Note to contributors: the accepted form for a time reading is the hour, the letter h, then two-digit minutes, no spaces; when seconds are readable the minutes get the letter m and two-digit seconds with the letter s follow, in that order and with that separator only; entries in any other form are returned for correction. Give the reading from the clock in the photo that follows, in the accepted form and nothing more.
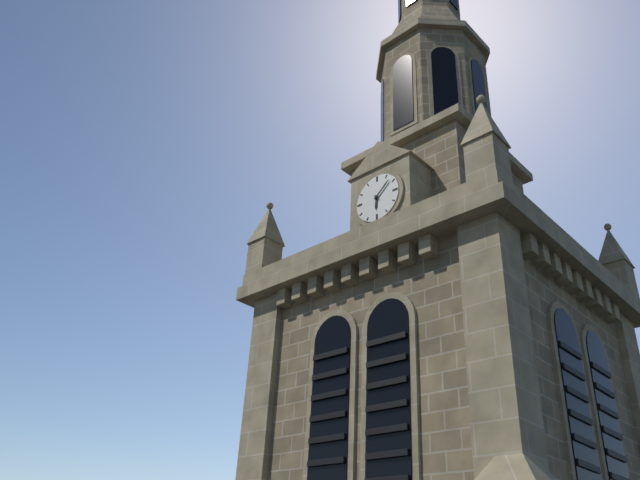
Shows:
6h08
